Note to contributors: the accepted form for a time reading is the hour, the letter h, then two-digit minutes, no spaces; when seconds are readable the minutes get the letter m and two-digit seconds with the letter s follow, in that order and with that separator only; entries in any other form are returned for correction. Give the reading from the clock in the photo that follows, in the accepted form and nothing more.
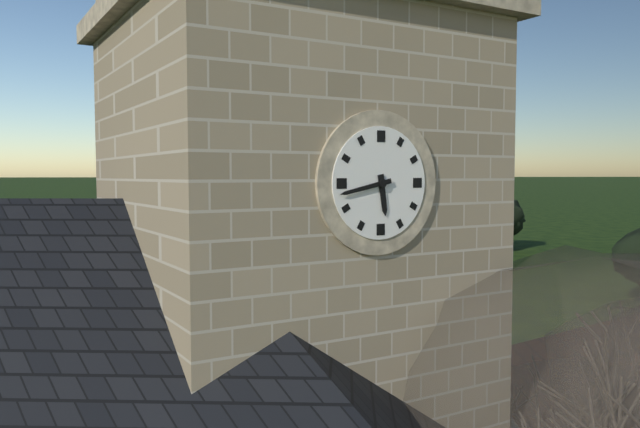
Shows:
5h43
